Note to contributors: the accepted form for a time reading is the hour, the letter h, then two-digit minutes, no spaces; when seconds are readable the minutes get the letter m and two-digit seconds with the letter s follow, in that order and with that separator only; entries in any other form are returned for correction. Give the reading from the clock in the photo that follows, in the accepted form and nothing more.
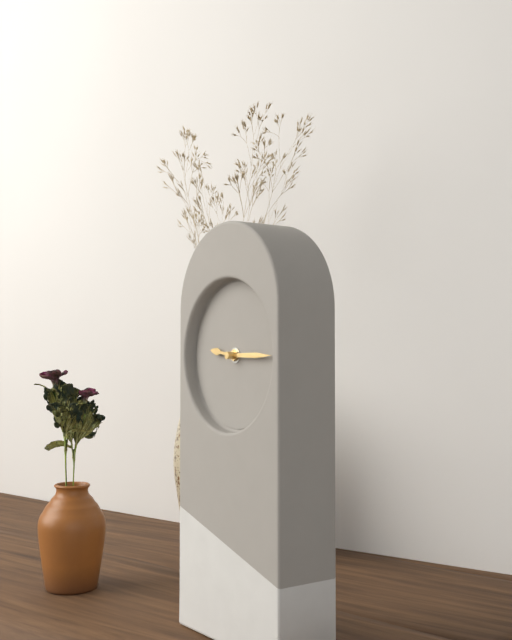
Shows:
9h15
